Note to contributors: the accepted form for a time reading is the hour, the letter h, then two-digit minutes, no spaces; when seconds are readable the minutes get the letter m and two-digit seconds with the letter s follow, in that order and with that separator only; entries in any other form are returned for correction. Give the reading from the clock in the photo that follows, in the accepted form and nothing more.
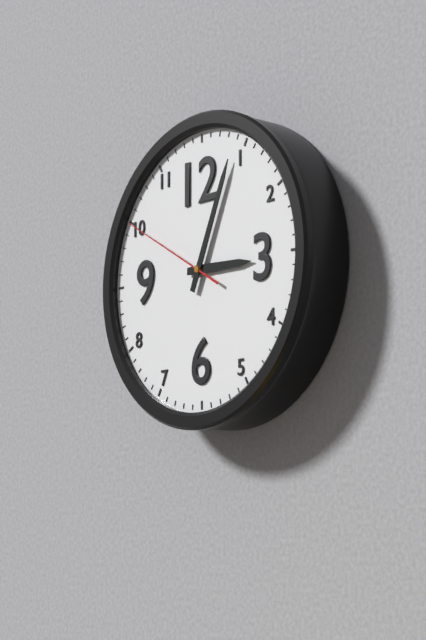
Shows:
3h04m50s
